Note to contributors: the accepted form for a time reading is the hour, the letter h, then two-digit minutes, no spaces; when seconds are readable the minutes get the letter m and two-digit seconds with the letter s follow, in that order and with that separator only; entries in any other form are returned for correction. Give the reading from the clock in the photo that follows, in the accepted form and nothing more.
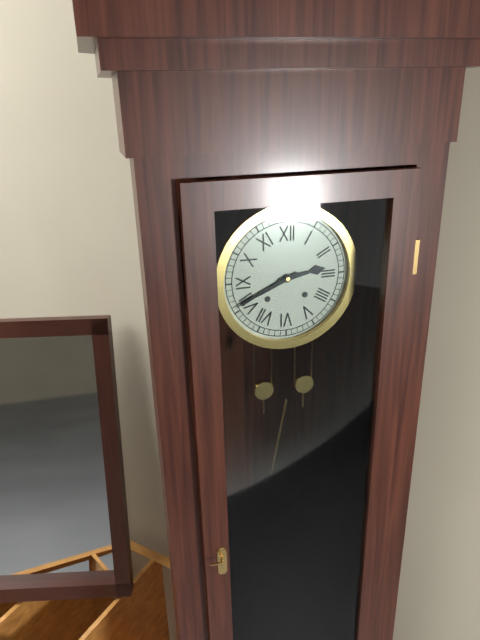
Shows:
2h41
